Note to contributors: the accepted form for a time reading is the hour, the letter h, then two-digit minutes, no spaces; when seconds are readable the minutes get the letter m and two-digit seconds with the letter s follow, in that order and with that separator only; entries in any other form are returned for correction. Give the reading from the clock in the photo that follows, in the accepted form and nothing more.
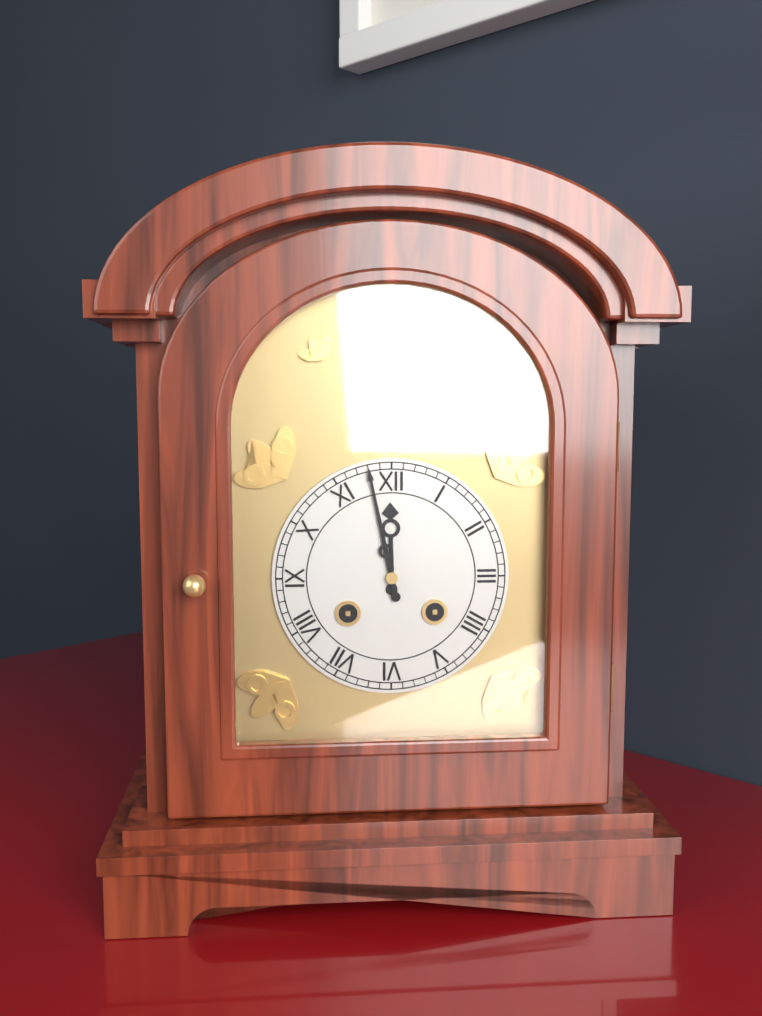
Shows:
11h58
